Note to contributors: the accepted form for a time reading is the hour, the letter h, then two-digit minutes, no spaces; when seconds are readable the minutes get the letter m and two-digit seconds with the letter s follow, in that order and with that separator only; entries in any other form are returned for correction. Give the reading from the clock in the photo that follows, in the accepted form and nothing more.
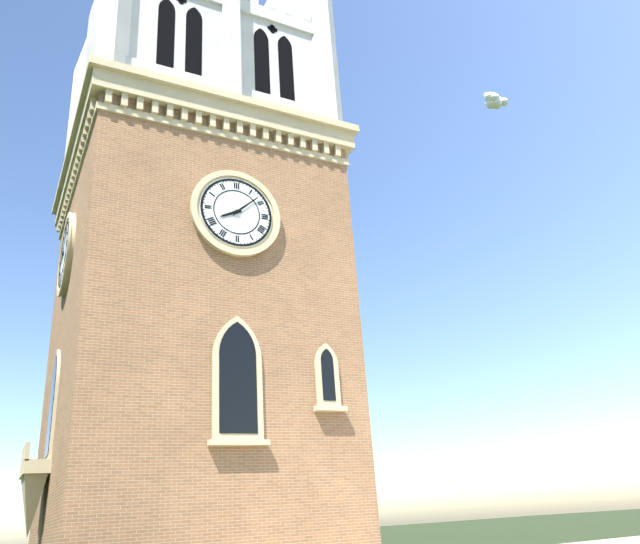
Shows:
8h08
